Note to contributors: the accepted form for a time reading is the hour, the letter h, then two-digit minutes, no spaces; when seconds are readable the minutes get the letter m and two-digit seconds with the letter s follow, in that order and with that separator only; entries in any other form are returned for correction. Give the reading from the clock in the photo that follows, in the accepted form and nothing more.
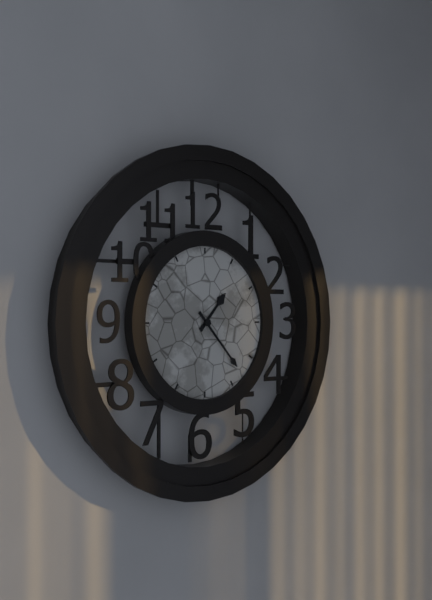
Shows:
1h23
